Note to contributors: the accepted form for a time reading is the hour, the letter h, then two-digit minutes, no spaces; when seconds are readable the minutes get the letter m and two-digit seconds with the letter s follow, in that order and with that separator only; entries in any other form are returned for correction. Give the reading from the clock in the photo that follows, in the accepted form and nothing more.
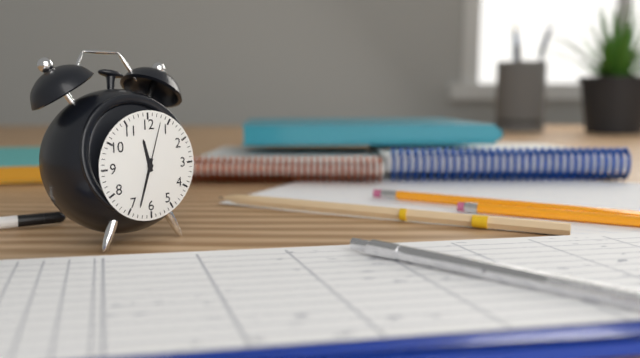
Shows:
11h33m03s
